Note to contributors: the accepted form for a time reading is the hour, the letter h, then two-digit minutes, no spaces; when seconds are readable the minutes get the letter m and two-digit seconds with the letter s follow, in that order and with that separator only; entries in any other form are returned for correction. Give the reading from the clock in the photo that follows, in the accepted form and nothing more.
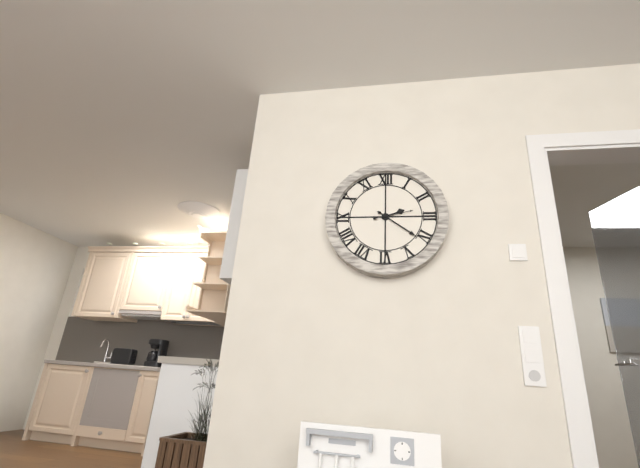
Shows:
2h21
